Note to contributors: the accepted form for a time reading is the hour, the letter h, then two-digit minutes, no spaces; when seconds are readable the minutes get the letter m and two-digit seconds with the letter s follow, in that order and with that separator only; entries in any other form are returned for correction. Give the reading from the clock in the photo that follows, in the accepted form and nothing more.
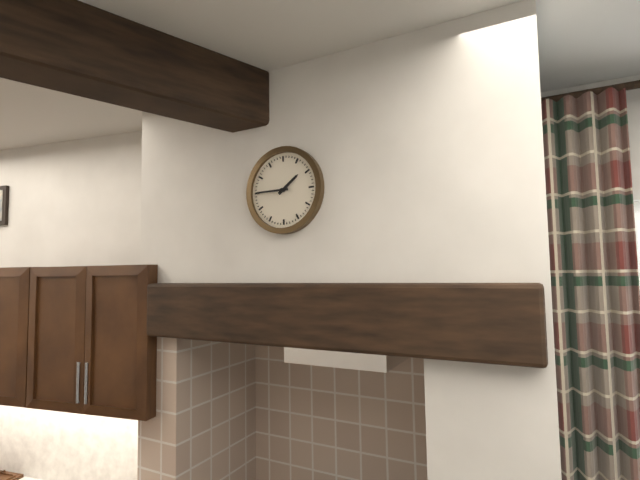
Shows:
1h45
